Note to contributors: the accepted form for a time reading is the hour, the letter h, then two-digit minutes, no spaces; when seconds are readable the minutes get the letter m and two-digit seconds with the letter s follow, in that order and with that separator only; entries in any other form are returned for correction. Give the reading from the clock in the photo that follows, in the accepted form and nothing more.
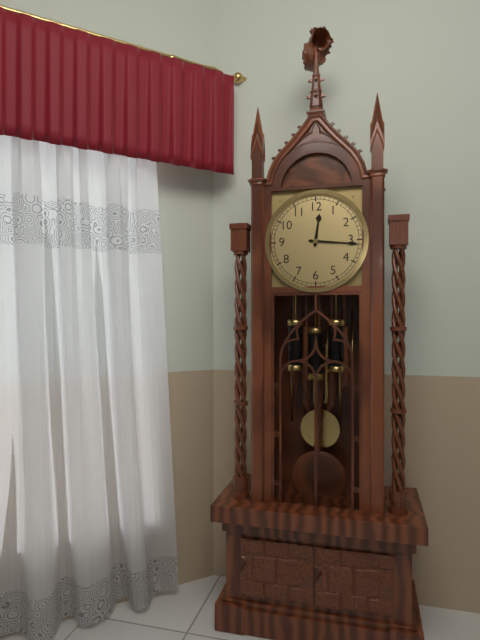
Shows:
12h16
